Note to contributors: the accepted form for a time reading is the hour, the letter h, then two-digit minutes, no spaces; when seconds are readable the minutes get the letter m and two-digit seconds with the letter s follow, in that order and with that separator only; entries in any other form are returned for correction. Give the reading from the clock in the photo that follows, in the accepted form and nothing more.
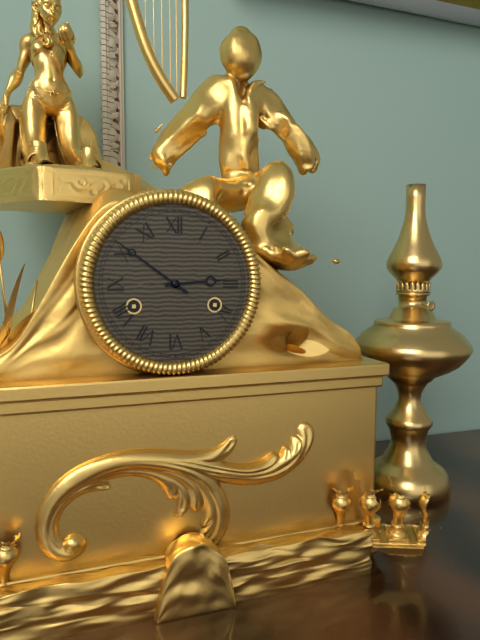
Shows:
2h51
